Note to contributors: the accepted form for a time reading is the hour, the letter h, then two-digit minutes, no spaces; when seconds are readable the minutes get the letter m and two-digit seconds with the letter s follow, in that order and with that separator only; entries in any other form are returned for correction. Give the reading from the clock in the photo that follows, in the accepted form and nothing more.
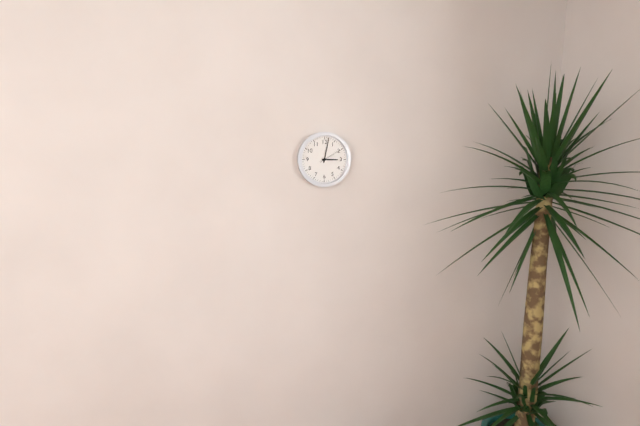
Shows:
3h02
